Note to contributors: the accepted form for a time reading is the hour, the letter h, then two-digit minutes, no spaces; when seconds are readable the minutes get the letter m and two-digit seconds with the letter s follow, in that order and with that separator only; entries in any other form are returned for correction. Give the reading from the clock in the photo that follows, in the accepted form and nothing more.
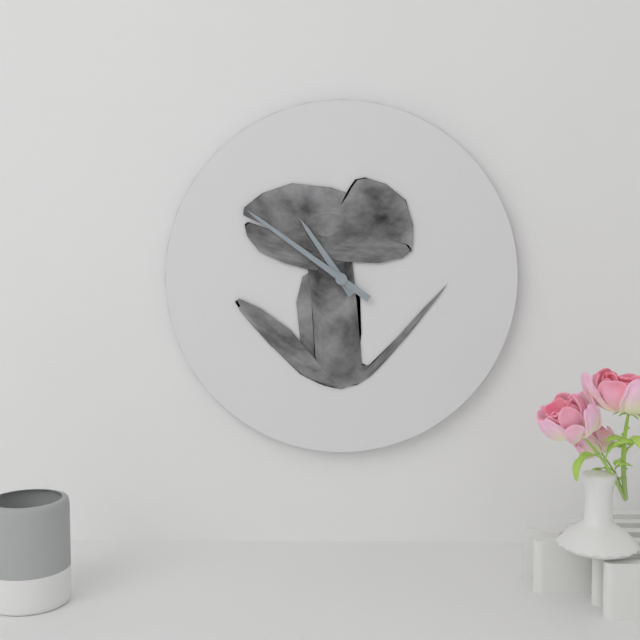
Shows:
10h51
